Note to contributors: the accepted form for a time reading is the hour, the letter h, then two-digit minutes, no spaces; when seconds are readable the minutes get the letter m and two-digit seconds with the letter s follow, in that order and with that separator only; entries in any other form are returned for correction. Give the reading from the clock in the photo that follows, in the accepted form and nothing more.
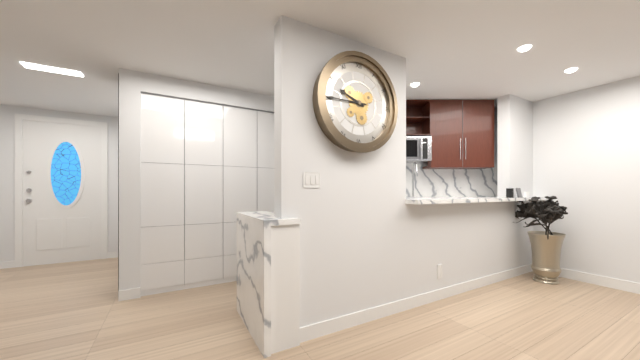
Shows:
9h45
